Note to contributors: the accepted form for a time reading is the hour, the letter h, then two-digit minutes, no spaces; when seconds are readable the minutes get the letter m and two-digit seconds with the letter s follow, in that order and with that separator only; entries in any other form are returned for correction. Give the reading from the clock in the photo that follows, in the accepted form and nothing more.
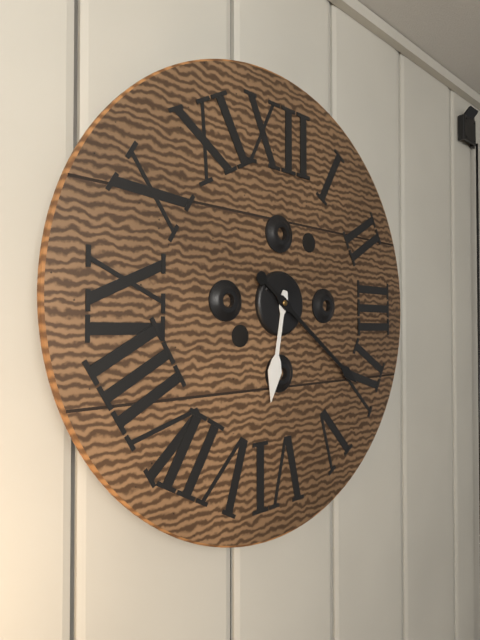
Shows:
6h21
